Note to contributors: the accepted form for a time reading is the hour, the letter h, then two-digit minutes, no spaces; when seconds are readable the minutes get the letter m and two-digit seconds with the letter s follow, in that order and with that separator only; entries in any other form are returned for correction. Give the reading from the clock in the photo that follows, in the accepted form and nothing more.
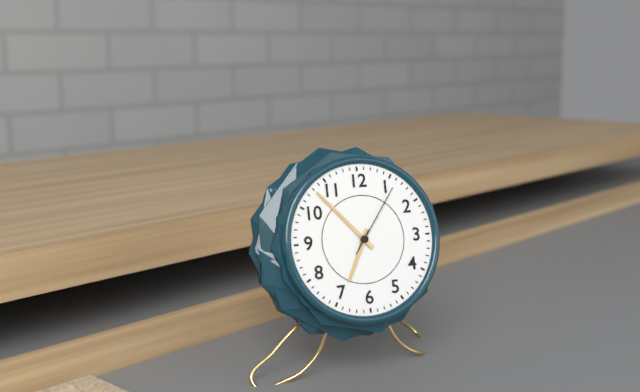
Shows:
6h53m06s
